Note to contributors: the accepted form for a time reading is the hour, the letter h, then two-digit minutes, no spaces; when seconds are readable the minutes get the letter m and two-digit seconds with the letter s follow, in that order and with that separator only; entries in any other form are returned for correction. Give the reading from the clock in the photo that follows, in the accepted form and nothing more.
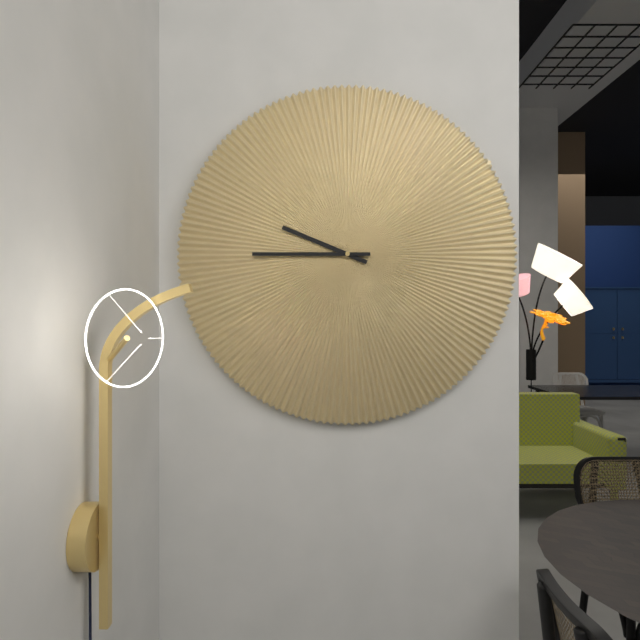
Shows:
9h45
